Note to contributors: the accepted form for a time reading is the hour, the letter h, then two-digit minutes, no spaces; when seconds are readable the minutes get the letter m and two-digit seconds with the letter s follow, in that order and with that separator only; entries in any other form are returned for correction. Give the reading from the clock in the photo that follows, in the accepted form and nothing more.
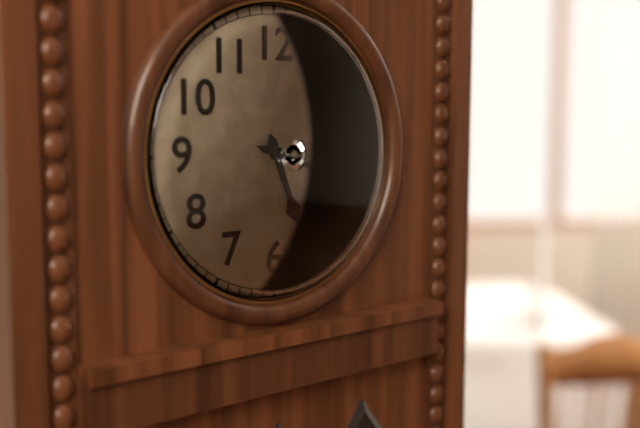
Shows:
5h18
